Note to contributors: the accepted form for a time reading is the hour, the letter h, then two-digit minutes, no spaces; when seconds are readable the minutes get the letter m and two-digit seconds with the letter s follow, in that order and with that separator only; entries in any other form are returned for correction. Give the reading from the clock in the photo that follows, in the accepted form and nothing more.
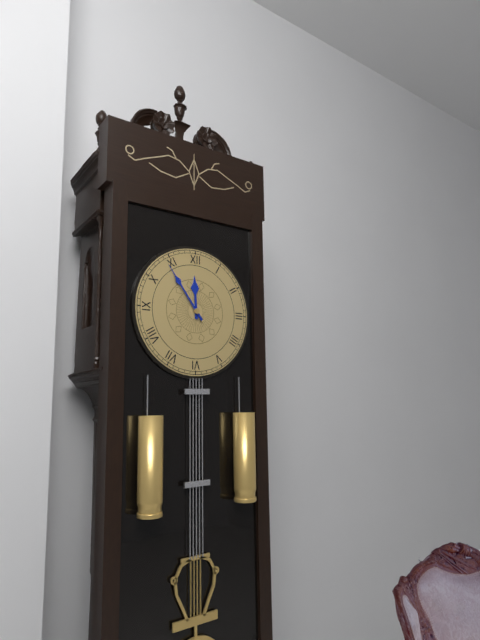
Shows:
11h54
